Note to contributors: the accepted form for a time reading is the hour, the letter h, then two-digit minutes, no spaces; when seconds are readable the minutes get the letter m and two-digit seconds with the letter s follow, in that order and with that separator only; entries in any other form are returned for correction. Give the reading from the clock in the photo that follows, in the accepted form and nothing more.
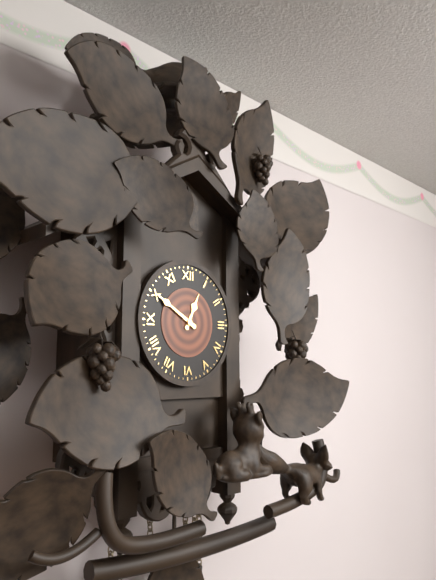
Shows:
12h50
